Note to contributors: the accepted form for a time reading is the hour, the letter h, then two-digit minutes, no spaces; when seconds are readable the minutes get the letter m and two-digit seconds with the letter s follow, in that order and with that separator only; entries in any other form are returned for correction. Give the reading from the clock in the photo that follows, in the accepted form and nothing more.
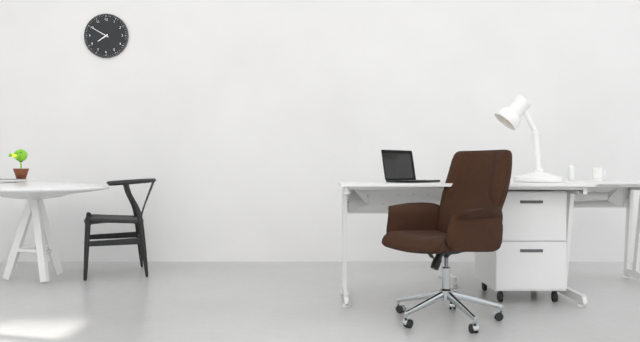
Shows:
7h50
